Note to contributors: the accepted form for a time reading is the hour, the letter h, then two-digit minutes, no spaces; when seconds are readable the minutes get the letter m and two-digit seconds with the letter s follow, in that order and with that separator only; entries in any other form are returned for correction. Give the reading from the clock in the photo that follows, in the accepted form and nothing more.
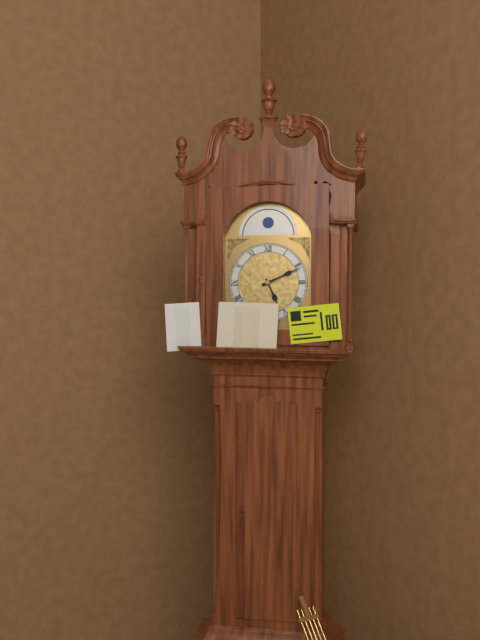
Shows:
5h11
